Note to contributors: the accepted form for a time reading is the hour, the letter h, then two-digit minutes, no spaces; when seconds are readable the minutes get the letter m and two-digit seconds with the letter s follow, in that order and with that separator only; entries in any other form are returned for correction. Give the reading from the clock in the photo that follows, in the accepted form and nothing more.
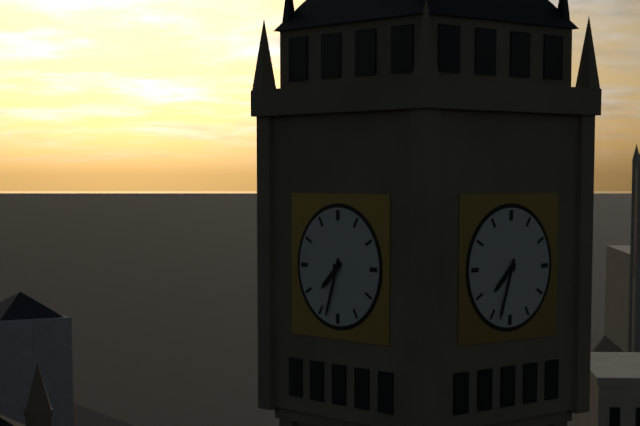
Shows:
7h33
